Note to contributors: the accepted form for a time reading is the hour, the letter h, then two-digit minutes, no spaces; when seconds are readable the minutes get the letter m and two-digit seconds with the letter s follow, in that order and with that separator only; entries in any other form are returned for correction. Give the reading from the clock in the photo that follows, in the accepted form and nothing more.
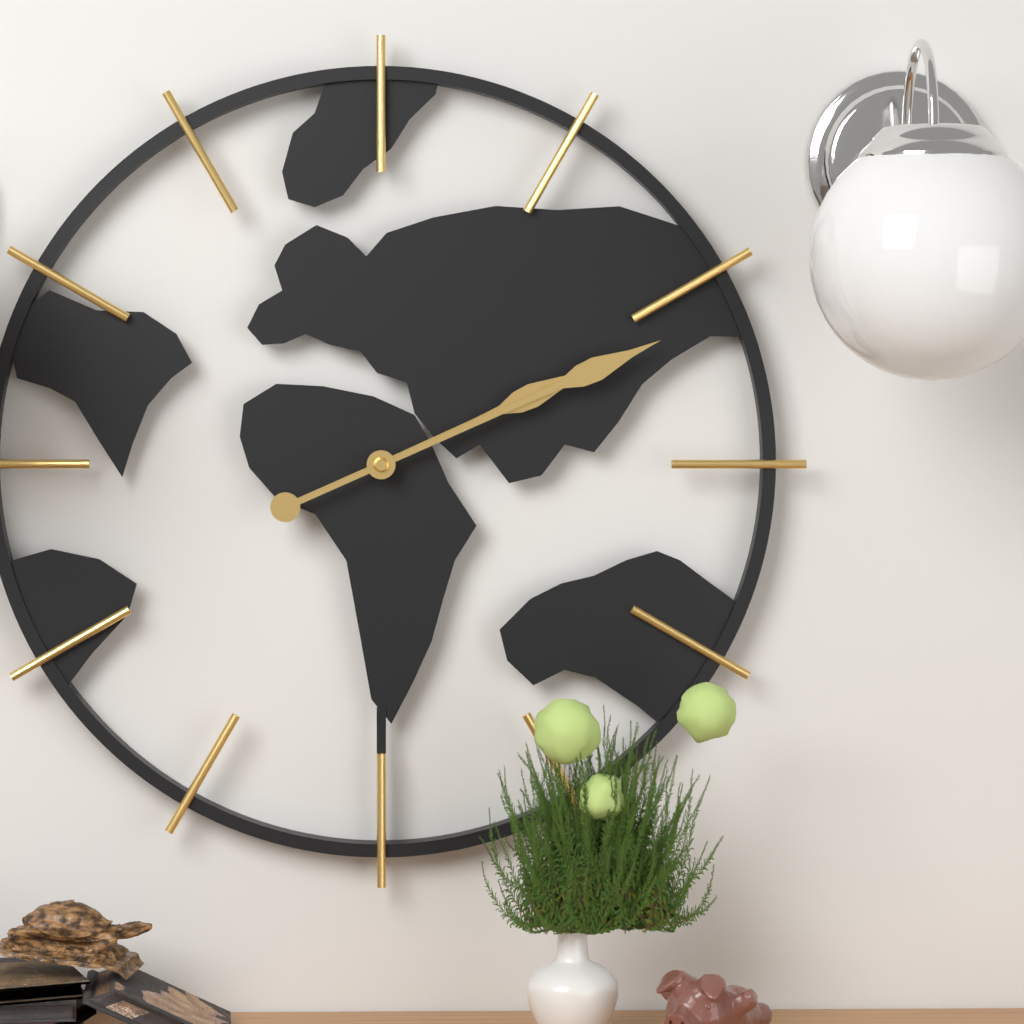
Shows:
2h11
